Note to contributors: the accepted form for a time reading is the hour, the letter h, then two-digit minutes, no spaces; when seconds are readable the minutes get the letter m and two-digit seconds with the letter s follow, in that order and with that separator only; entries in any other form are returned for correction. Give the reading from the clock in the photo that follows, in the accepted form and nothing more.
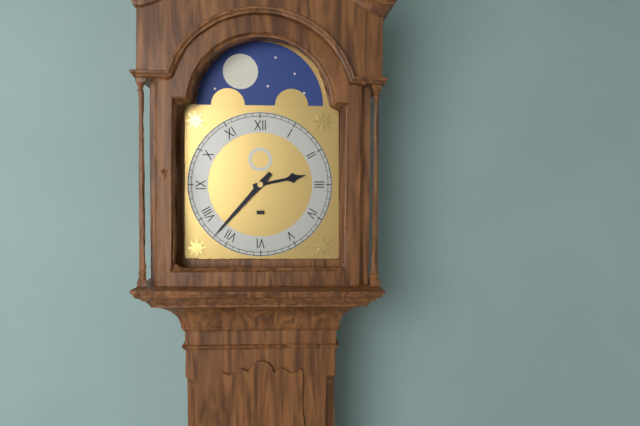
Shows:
2h37
